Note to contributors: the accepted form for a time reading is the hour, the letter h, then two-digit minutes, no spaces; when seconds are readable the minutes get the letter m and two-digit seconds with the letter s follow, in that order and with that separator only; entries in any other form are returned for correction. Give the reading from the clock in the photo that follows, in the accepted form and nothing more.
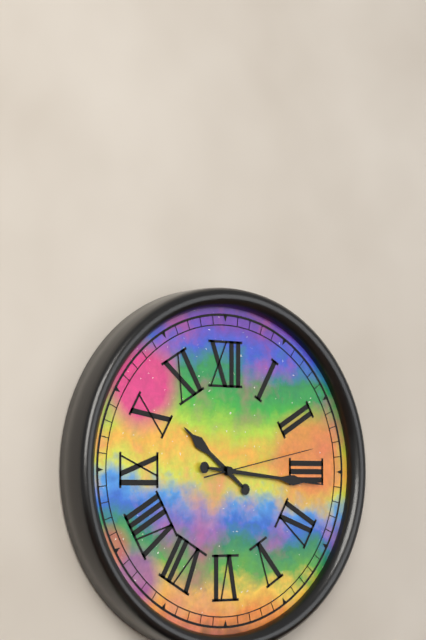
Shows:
10h16m13s
